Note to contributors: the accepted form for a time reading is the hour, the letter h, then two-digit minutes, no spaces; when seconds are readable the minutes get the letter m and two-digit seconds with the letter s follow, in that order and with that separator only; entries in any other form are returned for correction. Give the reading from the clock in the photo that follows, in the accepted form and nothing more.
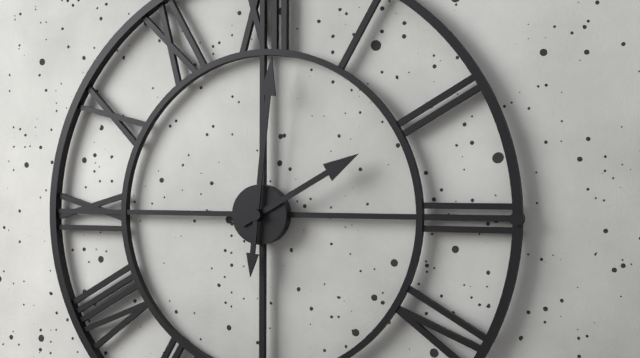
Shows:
2h01
